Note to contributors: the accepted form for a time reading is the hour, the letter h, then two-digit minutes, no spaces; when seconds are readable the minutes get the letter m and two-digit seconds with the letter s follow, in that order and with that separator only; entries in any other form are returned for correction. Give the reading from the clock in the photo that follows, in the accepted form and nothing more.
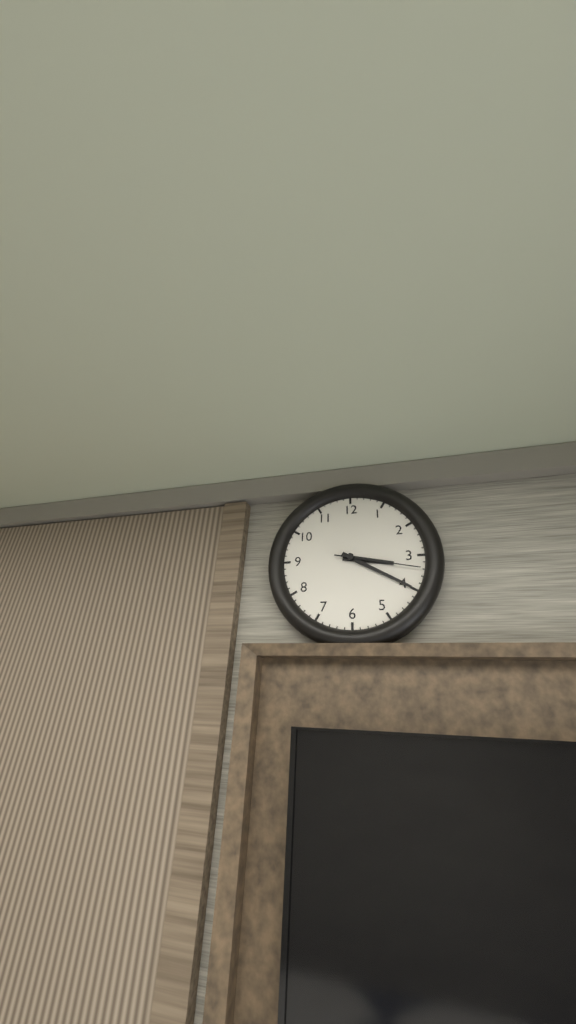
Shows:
3h20m17s
